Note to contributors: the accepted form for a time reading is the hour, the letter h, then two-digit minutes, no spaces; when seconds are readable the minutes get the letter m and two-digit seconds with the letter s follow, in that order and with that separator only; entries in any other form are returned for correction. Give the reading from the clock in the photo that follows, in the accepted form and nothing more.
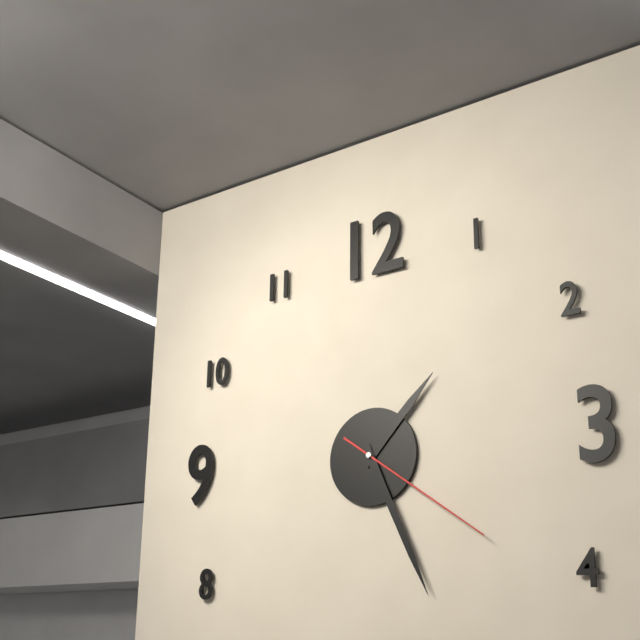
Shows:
1h26m21s
